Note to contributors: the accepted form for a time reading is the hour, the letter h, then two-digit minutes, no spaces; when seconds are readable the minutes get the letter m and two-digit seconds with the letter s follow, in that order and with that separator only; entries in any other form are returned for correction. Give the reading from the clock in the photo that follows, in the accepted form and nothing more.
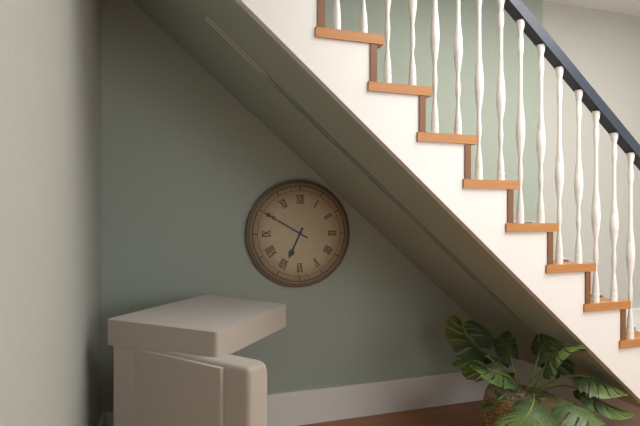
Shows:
6h50
